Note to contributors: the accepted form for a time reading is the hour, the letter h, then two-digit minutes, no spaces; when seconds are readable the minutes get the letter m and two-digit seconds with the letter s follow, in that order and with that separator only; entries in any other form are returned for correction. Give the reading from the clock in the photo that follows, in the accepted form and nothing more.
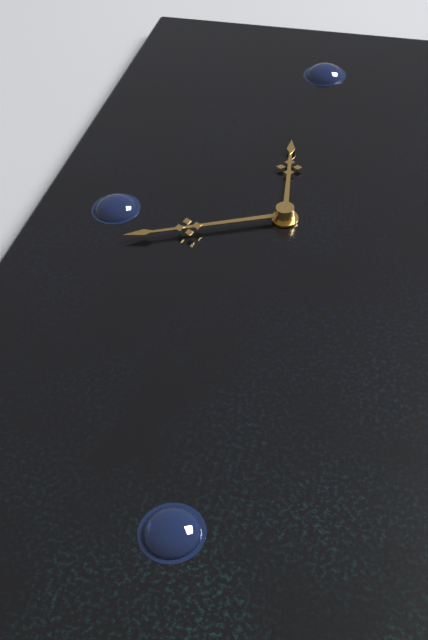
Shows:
11h41
